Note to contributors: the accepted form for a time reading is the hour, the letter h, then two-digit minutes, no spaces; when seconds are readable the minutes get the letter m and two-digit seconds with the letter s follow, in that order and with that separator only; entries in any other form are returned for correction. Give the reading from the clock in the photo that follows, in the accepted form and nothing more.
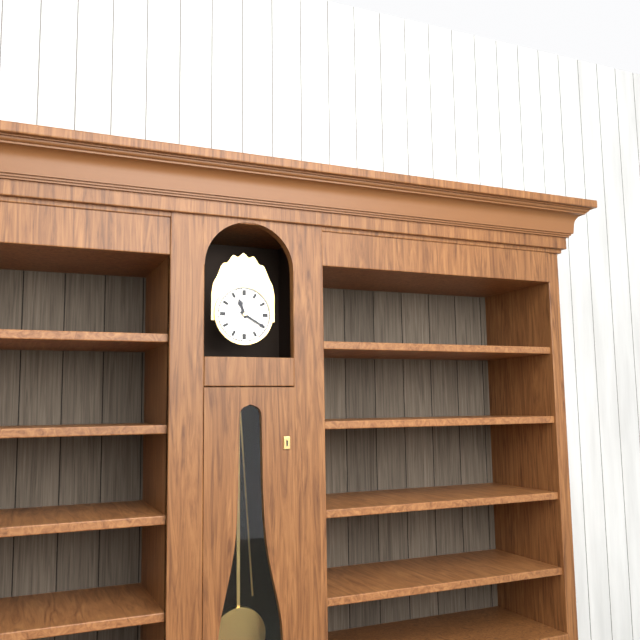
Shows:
11h20
